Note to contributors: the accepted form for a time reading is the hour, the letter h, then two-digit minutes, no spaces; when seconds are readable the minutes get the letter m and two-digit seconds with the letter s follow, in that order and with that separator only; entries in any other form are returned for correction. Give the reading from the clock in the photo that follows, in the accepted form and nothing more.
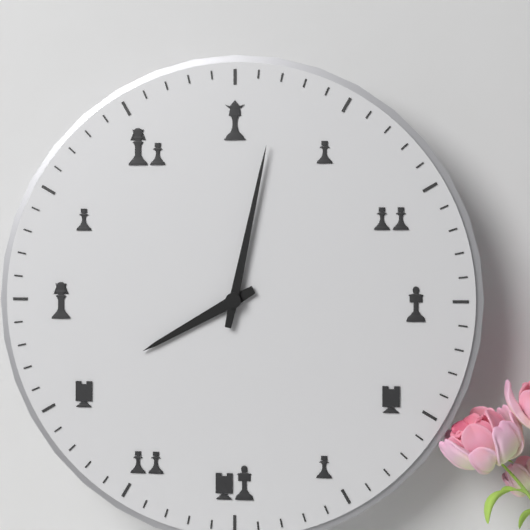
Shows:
8h02
